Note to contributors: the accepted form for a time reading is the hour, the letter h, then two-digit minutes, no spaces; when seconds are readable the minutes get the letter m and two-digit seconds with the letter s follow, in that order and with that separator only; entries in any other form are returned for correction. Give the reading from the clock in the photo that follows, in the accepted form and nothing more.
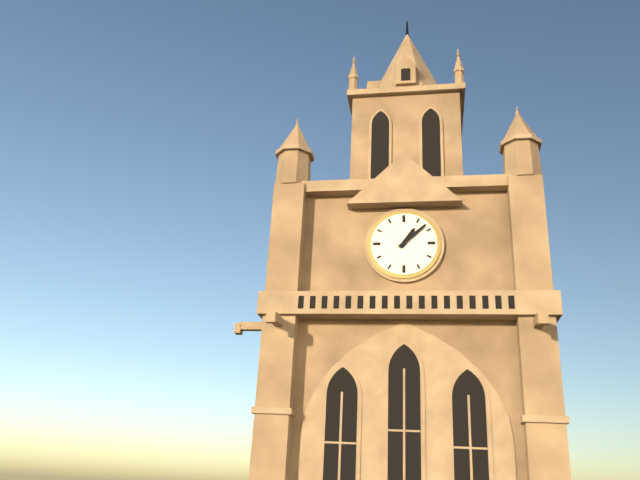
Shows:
1h08
